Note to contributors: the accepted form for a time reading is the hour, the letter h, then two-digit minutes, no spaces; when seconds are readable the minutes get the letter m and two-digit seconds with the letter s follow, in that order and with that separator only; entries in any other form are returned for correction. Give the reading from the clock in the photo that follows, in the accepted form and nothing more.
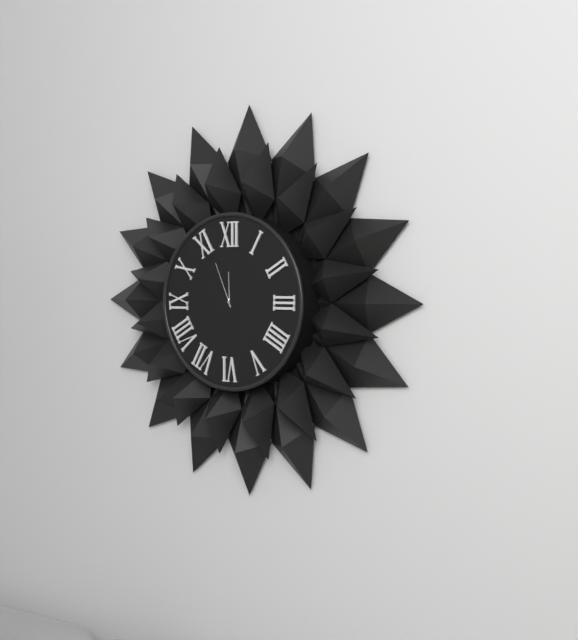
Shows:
11h56
